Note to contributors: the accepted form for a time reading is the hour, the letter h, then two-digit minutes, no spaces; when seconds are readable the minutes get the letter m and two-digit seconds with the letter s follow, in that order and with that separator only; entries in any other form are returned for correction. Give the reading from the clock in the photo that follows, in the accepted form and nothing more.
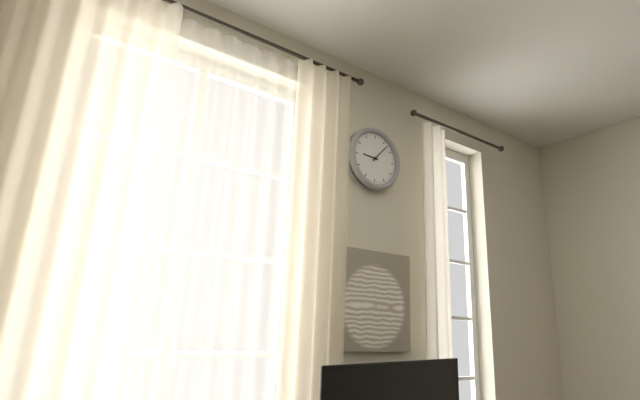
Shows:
9h07
